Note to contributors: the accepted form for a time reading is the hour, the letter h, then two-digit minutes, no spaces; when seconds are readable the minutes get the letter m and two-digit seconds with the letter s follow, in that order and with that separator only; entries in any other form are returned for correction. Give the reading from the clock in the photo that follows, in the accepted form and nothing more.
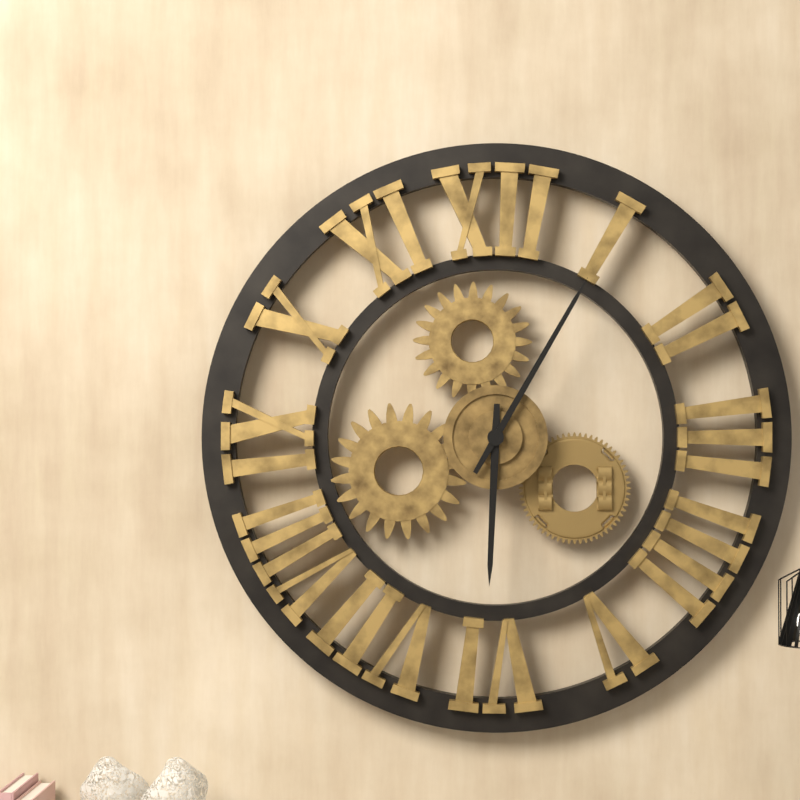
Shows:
6h05
